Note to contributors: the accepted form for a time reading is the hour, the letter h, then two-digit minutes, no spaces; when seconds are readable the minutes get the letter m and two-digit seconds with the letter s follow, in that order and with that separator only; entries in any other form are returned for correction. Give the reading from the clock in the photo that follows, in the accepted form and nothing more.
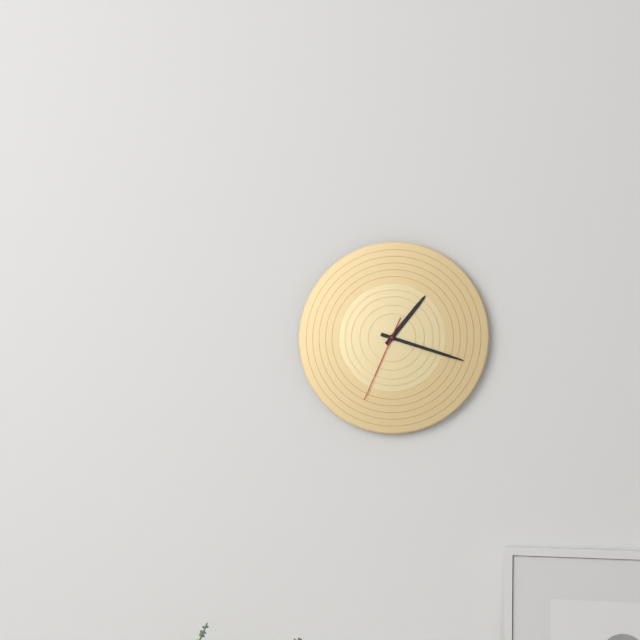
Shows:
1h18m34s
